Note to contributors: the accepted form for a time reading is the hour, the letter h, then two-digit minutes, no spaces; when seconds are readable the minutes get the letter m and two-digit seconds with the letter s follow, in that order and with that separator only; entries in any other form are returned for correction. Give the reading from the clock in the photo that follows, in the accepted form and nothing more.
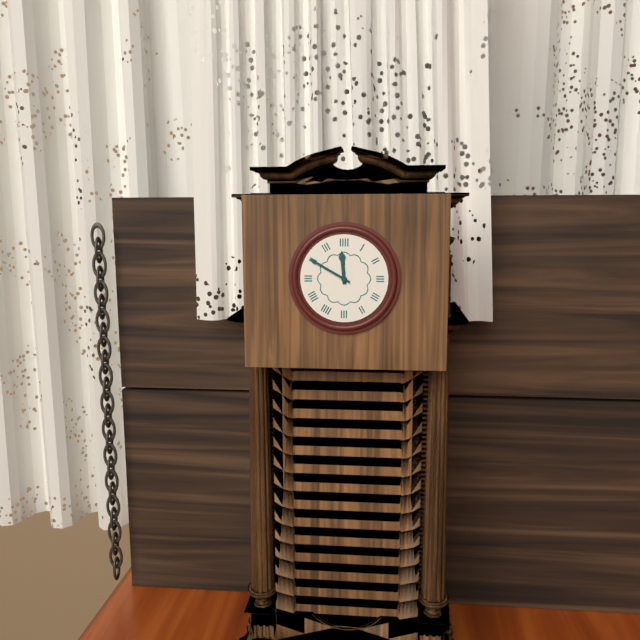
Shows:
11h50
